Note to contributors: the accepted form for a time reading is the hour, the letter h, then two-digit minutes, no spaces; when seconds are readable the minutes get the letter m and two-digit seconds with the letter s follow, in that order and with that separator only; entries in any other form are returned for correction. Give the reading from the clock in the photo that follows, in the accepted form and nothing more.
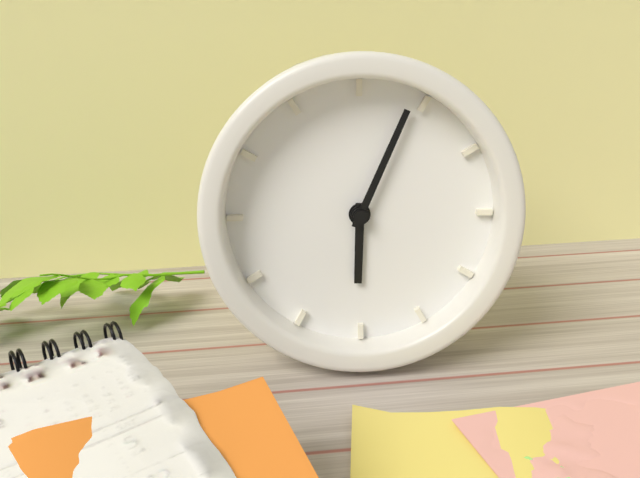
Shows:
6h04
